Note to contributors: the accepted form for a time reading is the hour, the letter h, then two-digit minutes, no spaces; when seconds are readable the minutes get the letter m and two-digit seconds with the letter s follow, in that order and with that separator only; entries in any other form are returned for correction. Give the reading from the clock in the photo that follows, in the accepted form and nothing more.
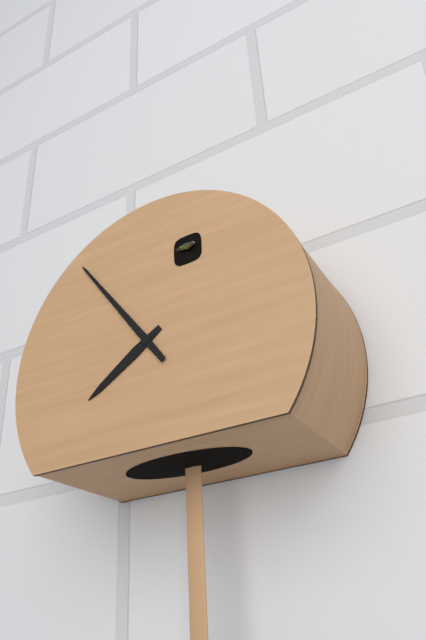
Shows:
7h54
